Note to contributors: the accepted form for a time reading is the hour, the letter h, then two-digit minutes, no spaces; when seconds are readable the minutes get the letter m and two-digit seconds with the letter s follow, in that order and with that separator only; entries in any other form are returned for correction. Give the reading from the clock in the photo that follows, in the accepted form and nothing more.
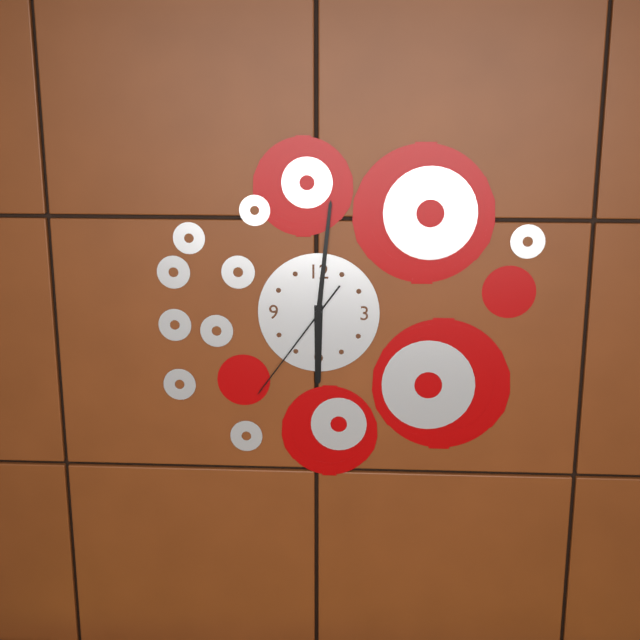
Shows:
6h01m36s
